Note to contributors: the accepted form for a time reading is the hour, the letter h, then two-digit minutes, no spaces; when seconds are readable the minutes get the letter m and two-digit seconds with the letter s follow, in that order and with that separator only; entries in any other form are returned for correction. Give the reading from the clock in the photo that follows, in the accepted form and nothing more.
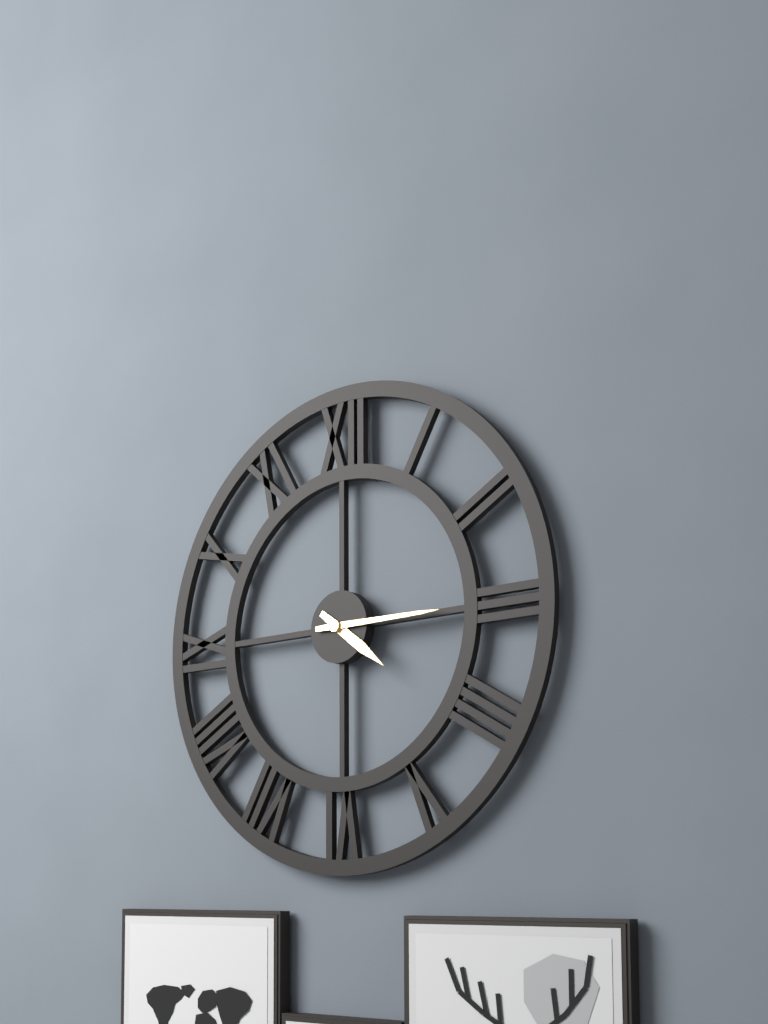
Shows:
4h15
